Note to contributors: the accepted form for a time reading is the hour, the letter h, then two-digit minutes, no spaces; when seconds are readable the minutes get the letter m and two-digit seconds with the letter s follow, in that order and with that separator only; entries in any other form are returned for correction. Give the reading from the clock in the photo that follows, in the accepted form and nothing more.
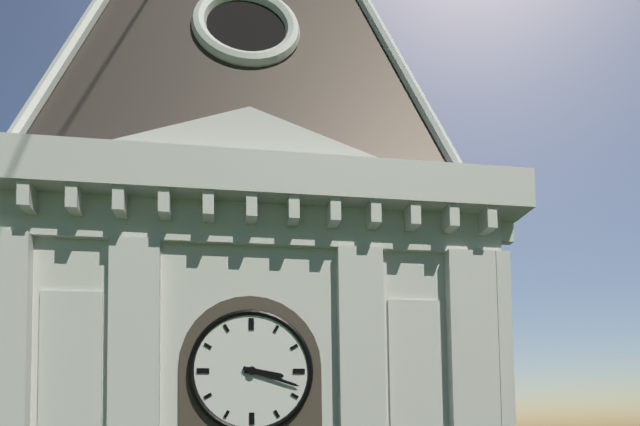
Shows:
3h18
